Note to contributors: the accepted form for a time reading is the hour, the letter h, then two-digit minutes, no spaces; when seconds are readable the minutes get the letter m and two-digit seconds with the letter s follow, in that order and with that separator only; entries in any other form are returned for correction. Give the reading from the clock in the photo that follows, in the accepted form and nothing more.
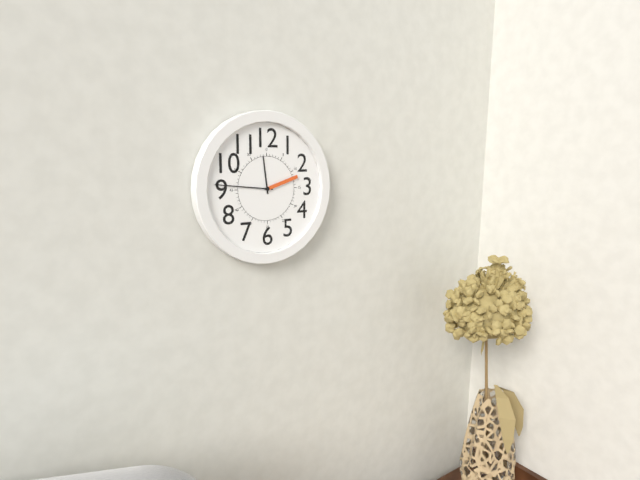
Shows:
11h46
